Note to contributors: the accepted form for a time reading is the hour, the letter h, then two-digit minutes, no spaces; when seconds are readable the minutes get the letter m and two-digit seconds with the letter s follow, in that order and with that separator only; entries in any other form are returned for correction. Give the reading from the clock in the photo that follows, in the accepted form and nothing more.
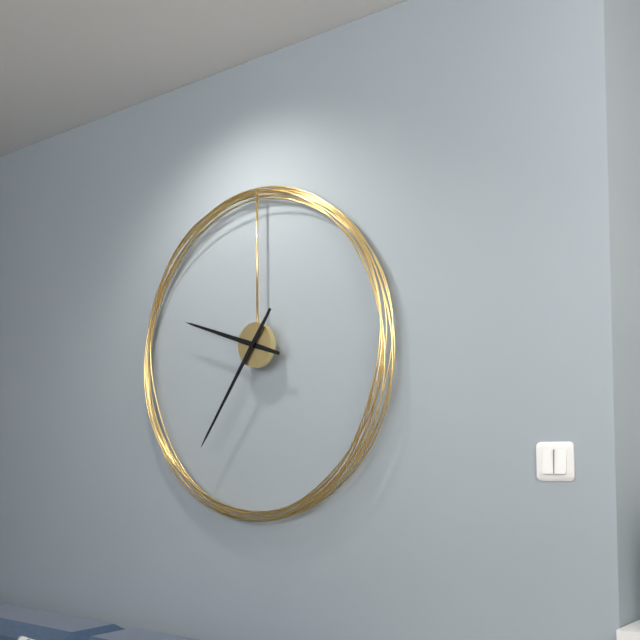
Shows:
9h36
